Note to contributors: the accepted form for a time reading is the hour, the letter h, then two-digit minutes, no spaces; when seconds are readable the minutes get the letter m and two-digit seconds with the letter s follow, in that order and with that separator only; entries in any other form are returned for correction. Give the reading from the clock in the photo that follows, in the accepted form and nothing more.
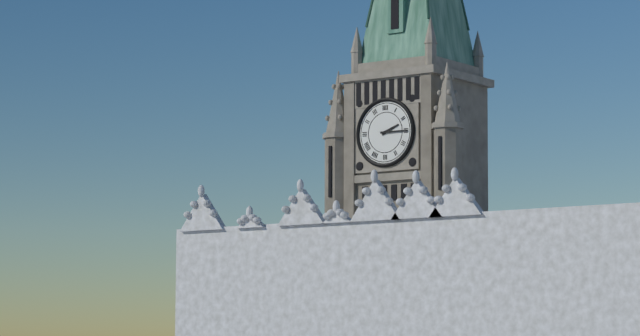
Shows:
2h15
